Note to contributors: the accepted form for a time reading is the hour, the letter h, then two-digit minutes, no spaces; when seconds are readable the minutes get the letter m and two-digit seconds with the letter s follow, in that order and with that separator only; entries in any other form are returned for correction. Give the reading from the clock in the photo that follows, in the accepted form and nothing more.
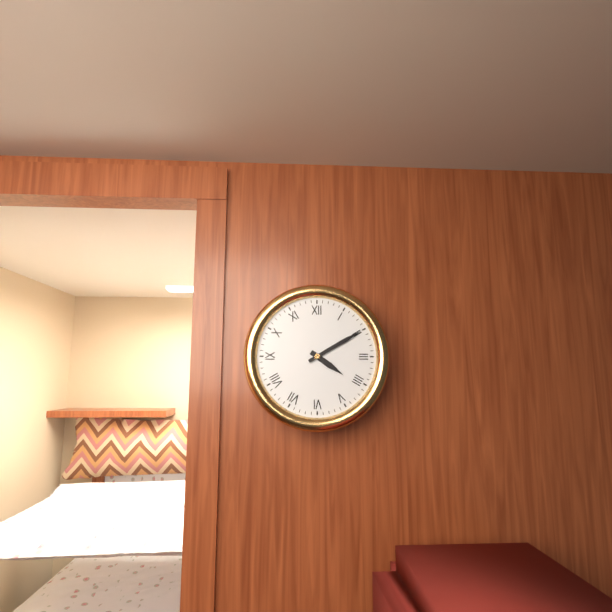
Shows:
4h10
